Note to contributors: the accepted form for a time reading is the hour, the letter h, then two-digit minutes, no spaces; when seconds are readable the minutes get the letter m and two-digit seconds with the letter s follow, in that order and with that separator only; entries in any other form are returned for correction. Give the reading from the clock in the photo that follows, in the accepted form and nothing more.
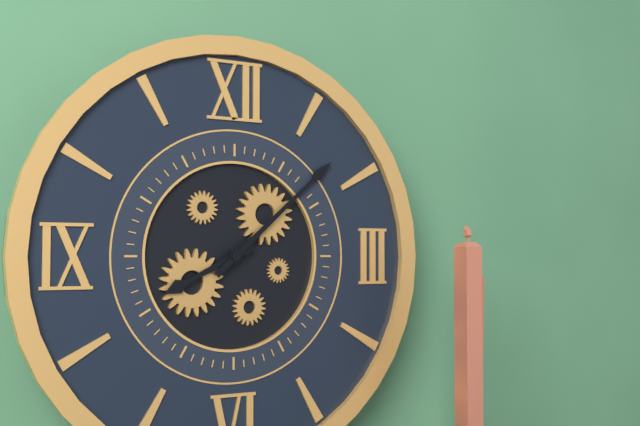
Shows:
8h08
